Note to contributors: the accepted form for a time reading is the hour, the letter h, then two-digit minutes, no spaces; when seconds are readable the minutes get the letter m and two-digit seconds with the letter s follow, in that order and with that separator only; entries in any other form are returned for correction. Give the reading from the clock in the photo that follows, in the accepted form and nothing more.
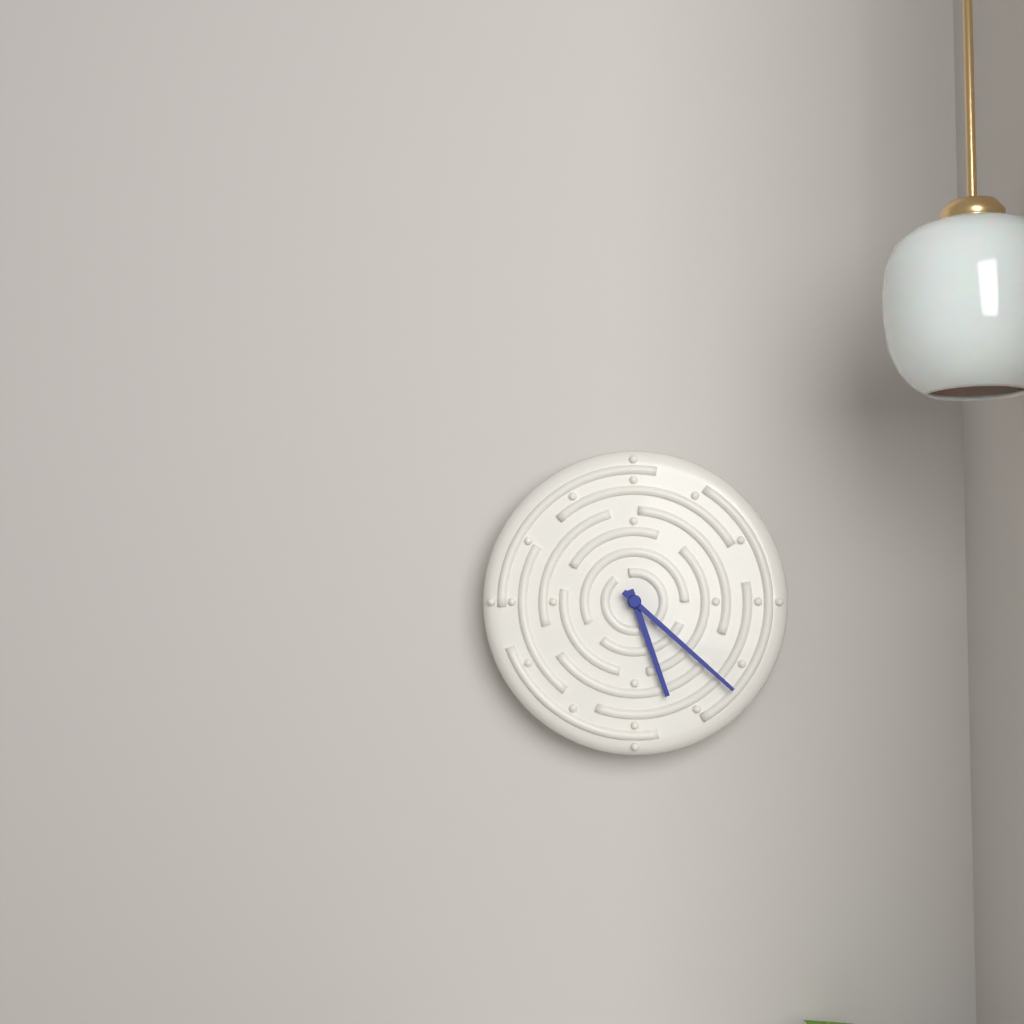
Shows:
5h22
